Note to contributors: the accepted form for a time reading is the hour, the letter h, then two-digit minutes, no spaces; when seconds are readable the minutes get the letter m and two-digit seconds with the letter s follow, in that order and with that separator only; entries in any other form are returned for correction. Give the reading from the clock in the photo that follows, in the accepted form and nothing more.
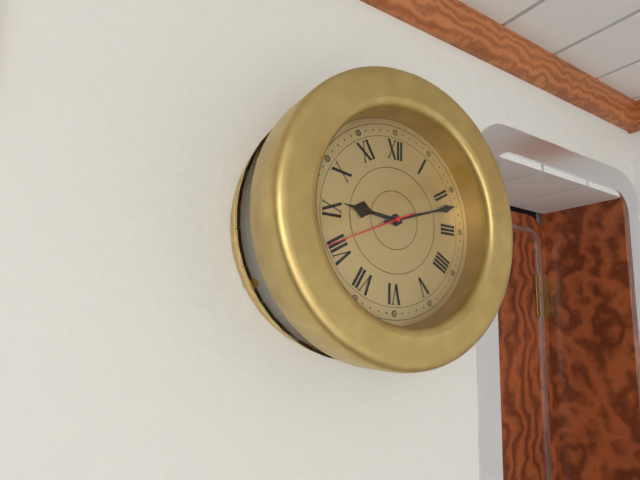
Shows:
9h12m41s
